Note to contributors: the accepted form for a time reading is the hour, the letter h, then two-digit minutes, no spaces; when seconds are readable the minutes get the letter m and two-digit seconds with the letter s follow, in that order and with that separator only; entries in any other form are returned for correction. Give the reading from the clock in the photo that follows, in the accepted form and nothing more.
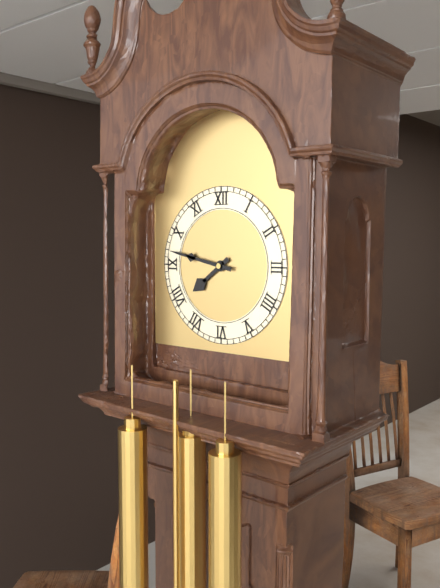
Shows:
7h47
